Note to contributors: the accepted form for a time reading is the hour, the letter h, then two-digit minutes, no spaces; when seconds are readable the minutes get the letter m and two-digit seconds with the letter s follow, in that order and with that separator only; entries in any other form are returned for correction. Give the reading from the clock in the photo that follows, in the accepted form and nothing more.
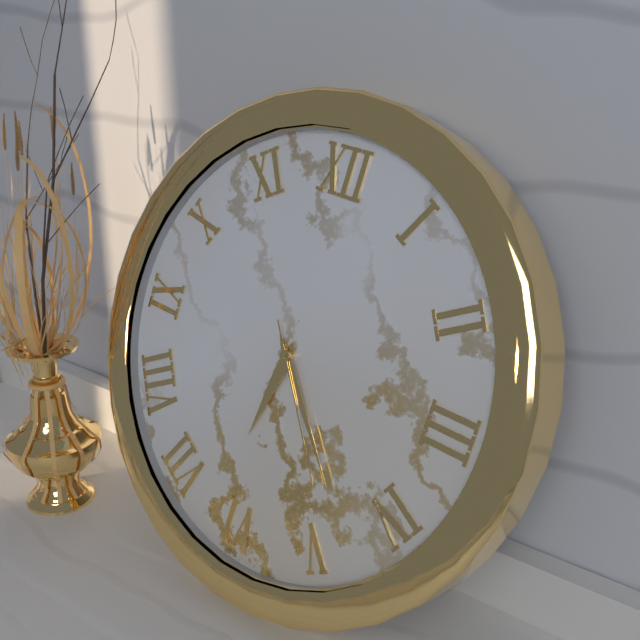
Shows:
6h23m24s
